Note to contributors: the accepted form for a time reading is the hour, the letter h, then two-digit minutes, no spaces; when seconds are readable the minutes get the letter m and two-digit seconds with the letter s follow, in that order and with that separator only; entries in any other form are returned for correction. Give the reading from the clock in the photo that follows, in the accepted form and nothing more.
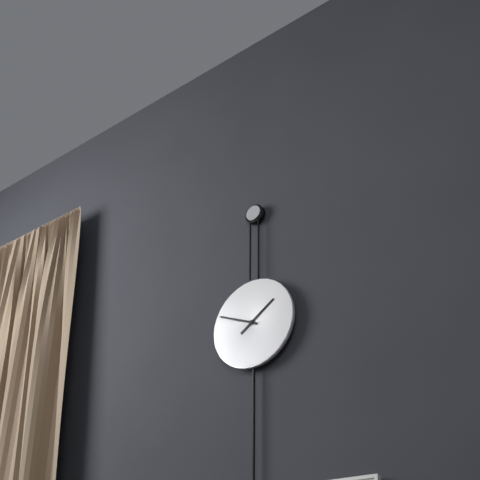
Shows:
1h49
